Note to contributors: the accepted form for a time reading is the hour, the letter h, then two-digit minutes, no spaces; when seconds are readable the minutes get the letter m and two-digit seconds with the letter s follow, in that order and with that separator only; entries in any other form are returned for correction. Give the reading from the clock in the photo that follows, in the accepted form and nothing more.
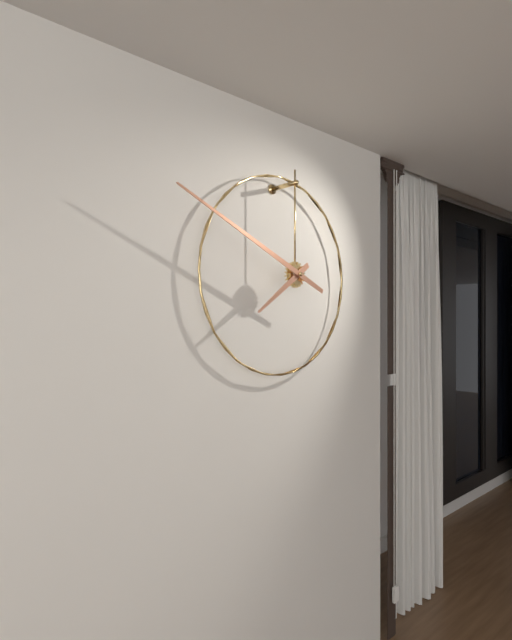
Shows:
7h49
